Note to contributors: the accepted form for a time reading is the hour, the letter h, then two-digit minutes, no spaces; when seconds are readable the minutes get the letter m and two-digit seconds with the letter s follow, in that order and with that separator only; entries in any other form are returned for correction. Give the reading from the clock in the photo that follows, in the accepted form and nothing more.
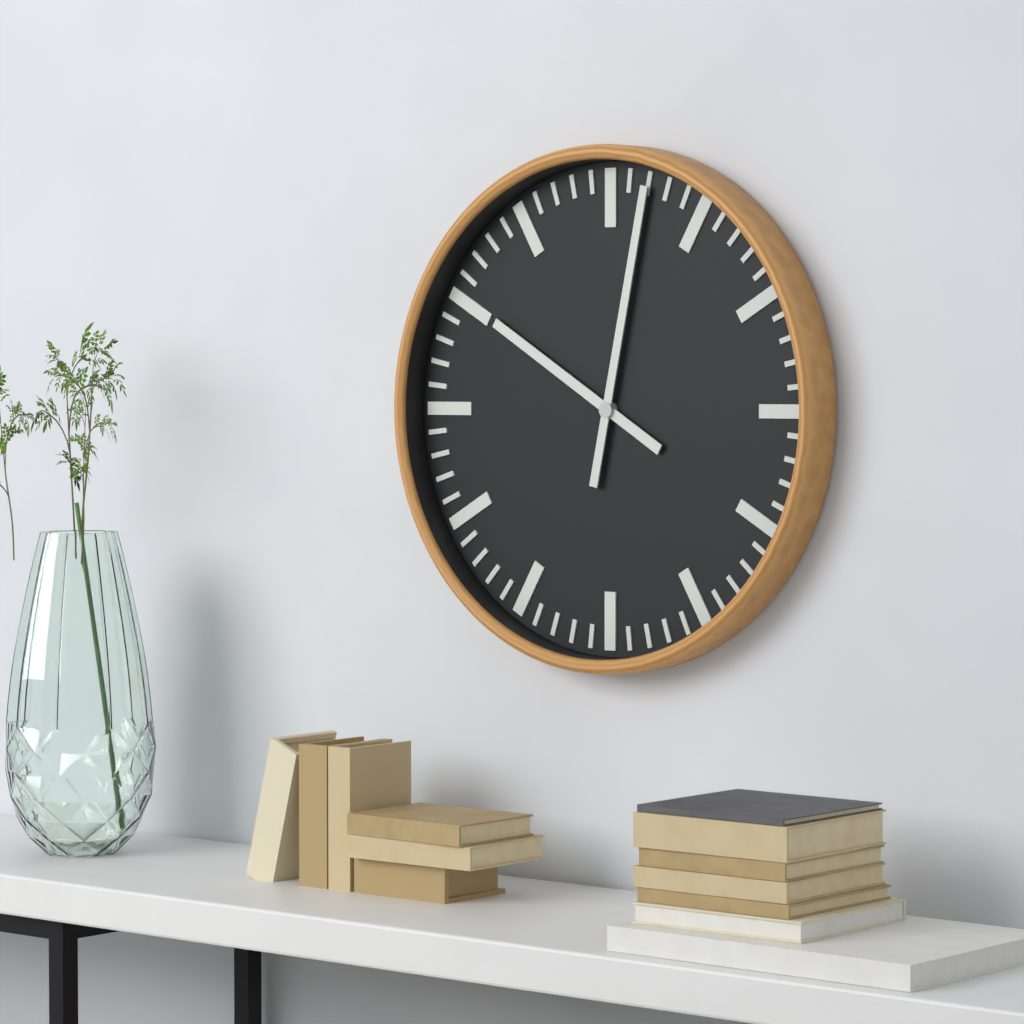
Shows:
10h02
